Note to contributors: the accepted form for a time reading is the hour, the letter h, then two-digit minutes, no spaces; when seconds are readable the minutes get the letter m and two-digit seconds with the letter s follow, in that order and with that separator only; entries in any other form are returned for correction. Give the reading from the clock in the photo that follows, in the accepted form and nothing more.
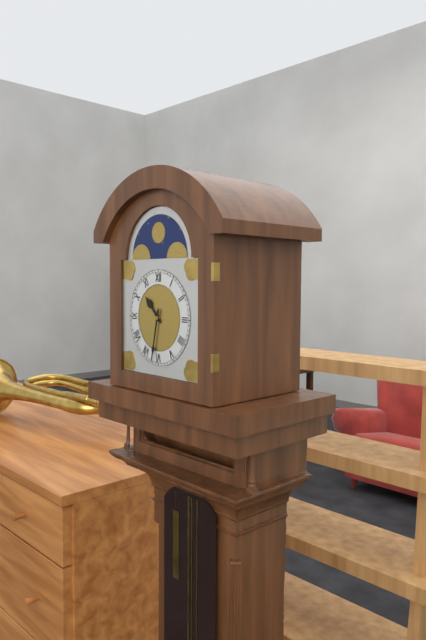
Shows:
10h32
